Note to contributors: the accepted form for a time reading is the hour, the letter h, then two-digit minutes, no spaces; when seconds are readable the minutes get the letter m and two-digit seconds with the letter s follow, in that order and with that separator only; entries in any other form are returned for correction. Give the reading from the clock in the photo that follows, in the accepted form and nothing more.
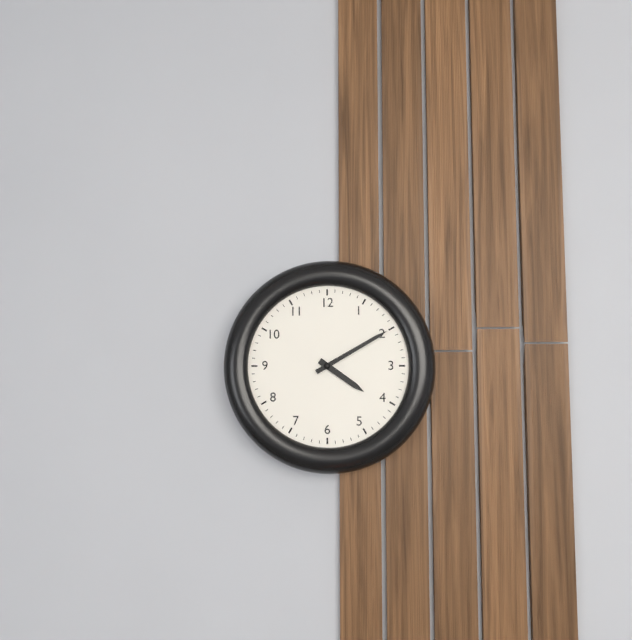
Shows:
4h10
